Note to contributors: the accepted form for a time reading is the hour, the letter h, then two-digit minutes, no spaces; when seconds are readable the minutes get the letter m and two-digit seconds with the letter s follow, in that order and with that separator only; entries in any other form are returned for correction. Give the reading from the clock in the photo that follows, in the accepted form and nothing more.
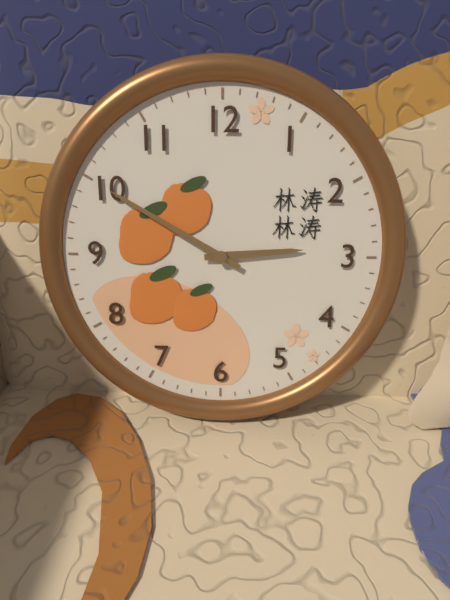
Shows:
2h50
